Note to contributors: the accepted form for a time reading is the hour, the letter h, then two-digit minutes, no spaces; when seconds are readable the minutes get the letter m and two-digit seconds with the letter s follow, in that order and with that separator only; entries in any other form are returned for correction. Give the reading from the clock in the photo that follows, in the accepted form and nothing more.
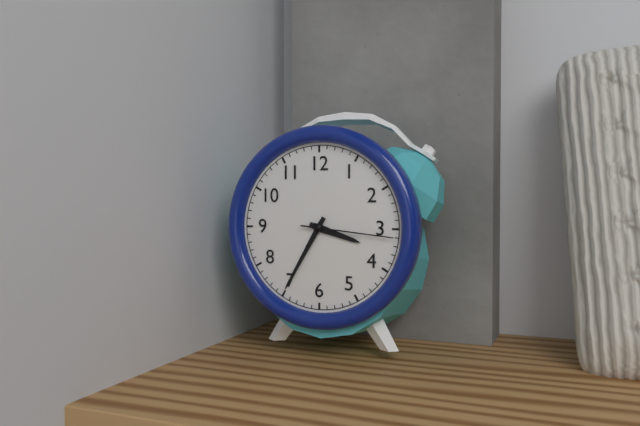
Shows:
3h35m16s
